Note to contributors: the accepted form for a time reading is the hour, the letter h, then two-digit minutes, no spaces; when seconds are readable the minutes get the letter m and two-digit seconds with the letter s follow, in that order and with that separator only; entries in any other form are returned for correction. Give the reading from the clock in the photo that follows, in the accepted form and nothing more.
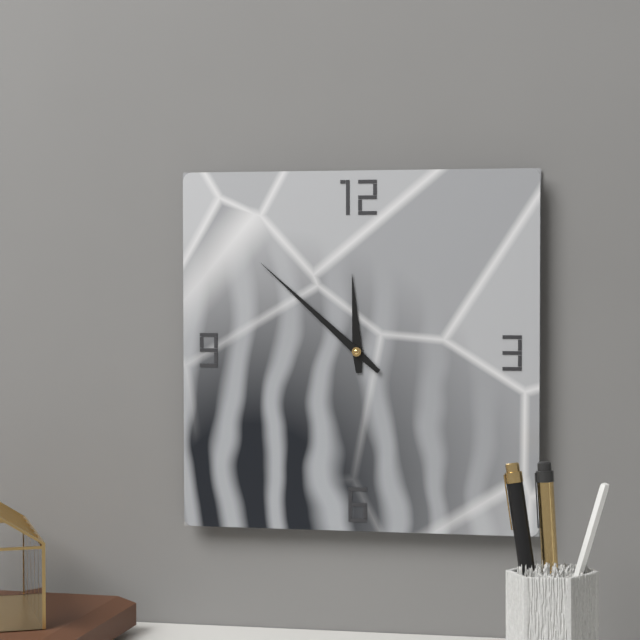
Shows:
11h52
